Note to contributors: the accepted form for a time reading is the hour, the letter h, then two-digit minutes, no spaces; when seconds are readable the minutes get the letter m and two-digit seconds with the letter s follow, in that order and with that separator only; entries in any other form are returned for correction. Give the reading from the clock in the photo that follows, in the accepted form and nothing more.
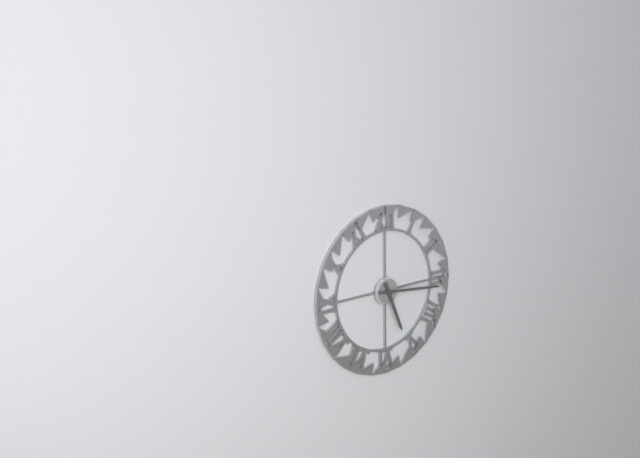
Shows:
5h16
